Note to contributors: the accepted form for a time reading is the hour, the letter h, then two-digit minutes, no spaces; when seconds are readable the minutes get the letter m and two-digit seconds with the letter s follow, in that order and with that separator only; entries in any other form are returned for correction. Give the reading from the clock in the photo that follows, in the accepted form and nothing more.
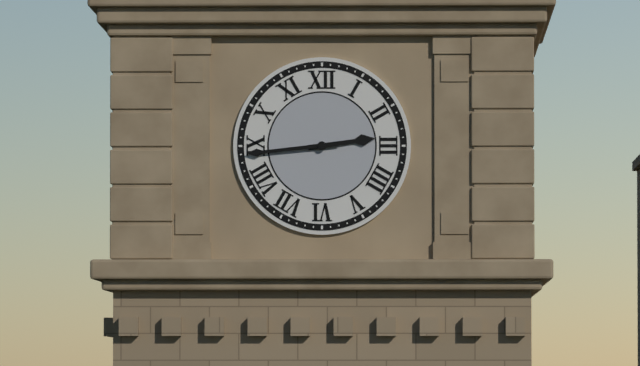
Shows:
2h44
